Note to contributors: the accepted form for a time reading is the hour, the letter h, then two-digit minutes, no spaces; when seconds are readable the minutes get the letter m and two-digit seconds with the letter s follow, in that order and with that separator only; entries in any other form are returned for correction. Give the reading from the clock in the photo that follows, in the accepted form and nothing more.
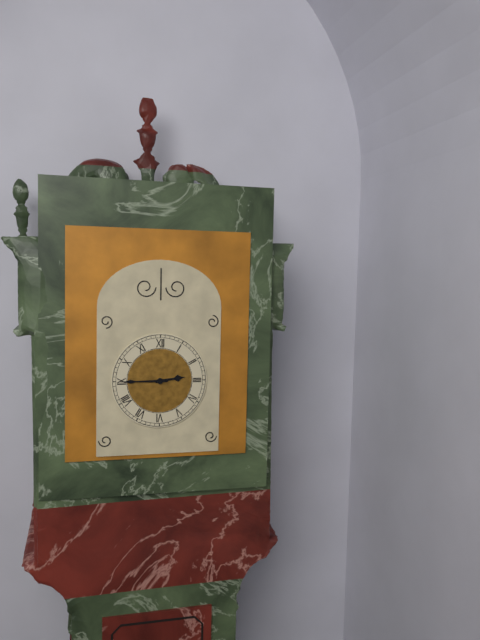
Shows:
2h45
